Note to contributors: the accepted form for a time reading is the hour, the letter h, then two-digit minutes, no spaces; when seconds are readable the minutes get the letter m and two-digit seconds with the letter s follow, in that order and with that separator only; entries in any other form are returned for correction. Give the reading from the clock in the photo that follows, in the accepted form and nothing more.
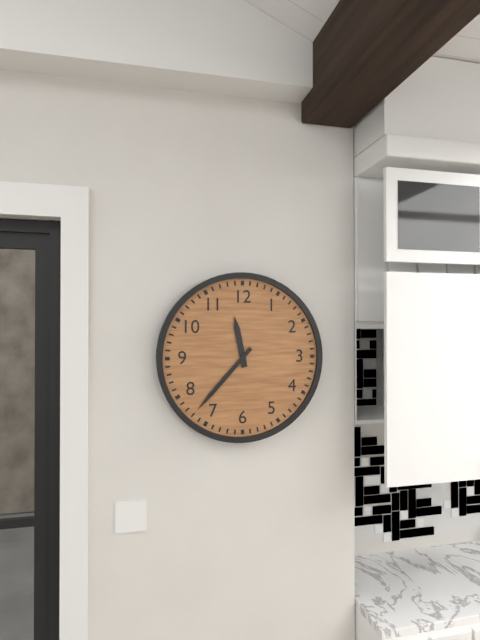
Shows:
11h37
